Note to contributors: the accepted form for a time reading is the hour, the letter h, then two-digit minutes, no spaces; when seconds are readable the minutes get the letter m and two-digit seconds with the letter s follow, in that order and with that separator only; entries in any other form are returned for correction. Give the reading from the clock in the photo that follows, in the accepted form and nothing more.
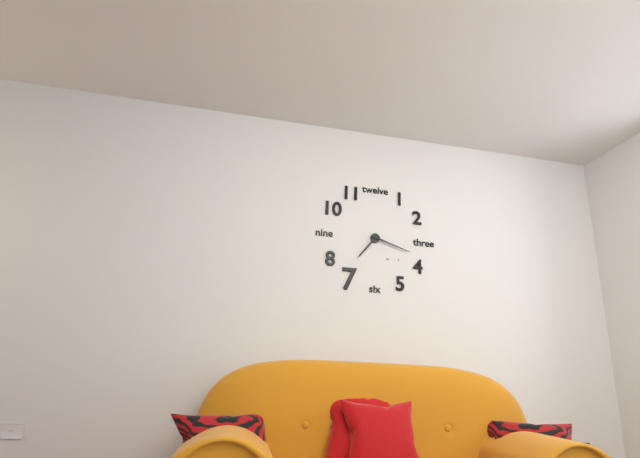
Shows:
7h18
